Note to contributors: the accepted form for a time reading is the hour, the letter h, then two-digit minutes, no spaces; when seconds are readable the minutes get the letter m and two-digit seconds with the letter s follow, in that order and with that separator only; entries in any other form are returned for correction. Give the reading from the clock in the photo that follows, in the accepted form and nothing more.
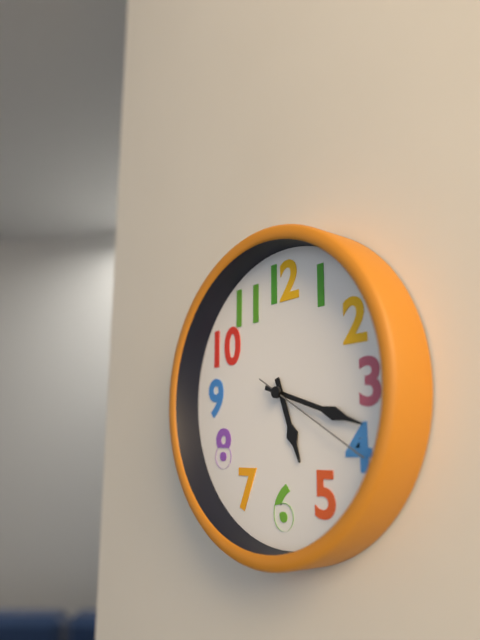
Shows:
5h18m20s
